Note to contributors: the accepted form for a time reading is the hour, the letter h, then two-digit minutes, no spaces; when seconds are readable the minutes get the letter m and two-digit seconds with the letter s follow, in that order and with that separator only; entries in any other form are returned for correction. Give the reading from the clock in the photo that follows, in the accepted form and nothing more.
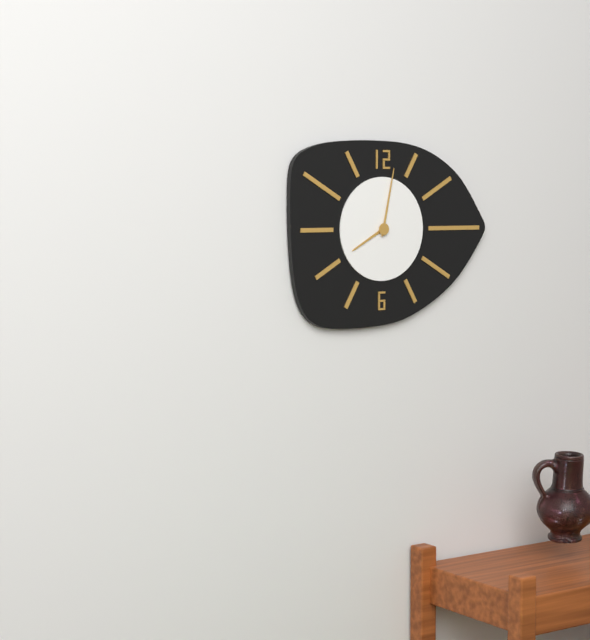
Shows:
8h02
